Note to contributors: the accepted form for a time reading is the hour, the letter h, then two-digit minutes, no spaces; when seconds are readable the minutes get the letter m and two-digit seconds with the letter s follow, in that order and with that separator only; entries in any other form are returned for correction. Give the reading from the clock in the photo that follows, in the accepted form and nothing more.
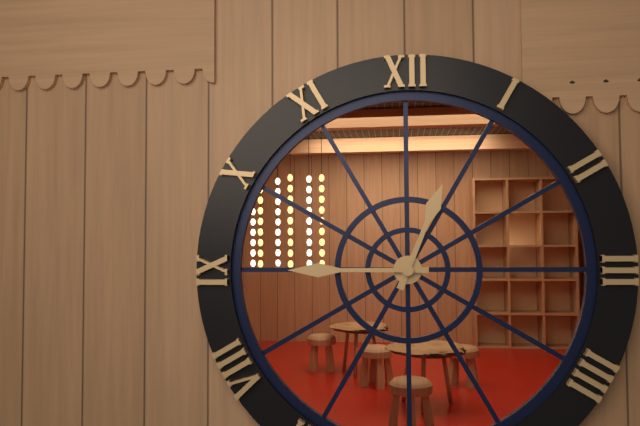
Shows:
12h45
